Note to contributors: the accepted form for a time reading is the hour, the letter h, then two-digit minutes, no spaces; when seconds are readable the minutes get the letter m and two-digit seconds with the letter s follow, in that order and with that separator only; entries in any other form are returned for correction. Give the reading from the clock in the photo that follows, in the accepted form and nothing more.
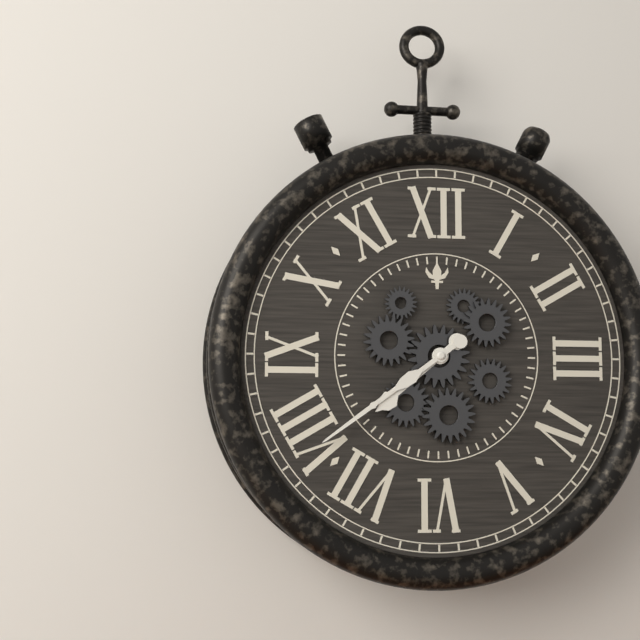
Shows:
7h39
